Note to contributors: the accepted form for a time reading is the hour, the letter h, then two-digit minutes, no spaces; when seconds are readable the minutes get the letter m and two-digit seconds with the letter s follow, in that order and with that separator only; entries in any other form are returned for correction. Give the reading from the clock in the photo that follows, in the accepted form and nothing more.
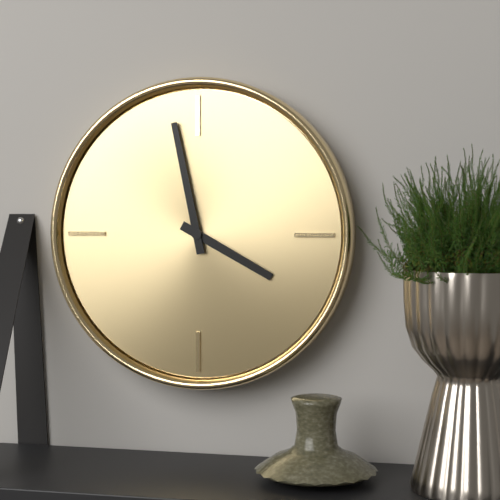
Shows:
3h58
